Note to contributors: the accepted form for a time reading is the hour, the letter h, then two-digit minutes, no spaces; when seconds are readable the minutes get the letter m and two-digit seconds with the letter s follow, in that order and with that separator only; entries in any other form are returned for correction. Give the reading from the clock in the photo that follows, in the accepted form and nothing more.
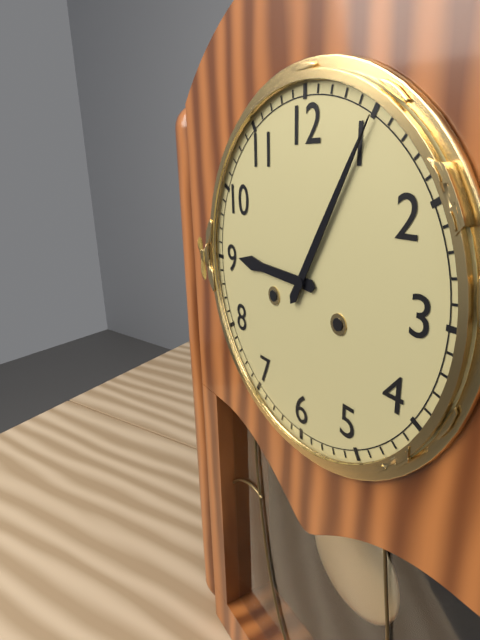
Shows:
9h05
